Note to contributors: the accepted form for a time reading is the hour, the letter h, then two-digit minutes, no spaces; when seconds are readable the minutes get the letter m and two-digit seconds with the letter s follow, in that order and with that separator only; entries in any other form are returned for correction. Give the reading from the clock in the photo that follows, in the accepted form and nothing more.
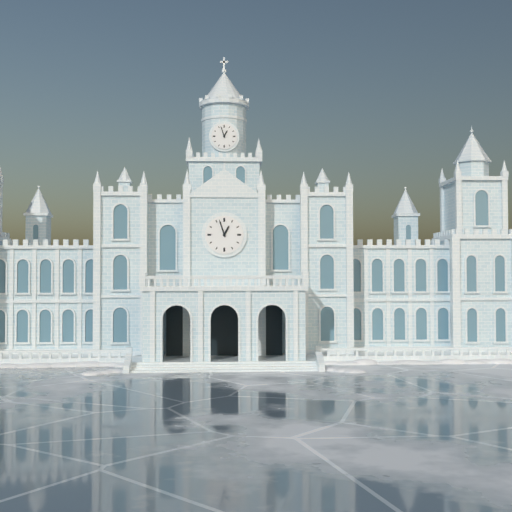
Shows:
12h57
